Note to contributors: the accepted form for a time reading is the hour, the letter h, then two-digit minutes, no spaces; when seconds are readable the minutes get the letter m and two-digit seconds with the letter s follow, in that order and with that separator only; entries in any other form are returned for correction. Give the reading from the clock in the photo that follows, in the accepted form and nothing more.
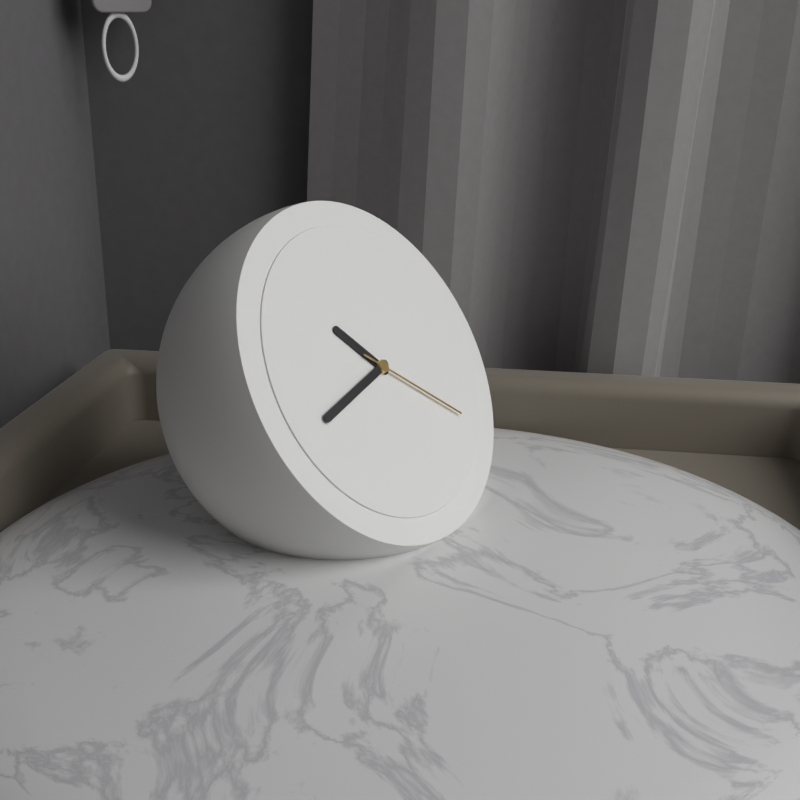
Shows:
10h43m22s
